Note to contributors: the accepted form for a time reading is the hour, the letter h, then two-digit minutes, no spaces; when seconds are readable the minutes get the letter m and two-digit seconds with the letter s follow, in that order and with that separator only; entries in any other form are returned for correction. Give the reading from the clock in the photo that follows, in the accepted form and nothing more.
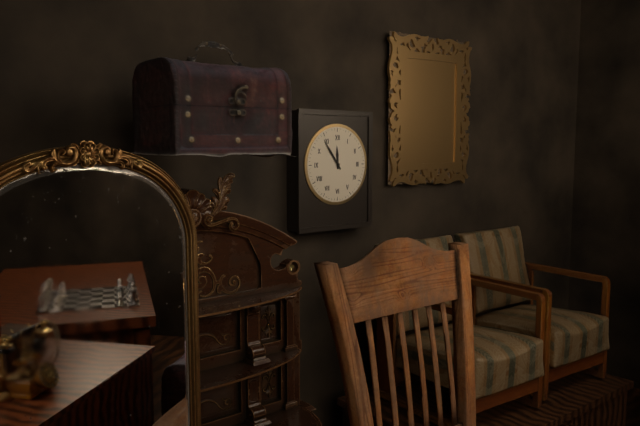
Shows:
11h54
